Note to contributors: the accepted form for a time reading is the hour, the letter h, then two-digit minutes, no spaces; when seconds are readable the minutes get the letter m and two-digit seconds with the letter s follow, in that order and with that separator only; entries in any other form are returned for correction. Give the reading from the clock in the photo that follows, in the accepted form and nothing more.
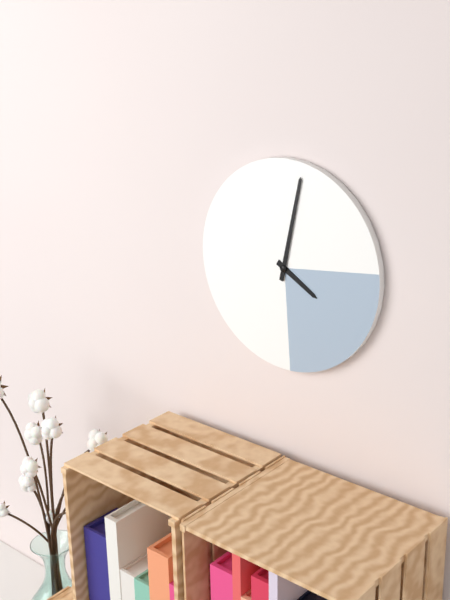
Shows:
4h02
